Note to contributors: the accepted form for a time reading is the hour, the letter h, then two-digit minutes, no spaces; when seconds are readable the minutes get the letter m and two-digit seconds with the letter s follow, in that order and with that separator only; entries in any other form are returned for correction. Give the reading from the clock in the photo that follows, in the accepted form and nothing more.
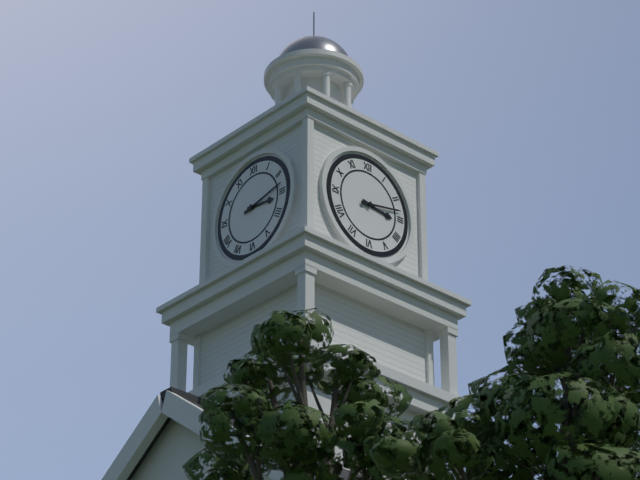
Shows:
3h13
